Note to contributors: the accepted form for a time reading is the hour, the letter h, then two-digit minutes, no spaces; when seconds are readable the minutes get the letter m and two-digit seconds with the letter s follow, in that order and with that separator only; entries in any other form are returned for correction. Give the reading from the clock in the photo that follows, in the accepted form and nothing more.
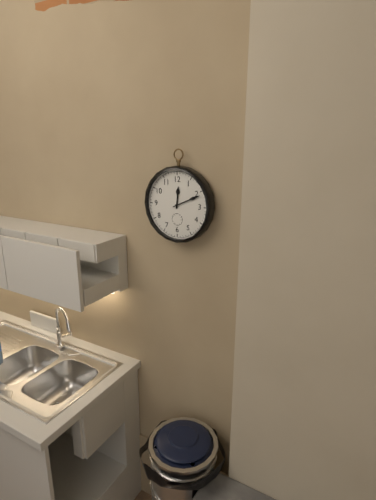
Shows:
12h11
